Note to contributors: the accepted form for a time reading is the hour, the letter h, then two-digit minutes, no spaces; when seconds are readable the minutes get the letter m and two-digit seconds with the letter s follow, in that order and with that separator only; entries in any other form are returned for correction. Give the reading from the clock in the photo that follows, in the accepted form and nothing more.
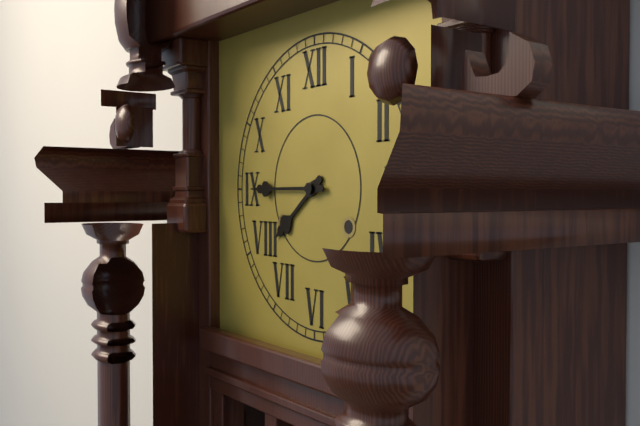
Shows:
7h45
